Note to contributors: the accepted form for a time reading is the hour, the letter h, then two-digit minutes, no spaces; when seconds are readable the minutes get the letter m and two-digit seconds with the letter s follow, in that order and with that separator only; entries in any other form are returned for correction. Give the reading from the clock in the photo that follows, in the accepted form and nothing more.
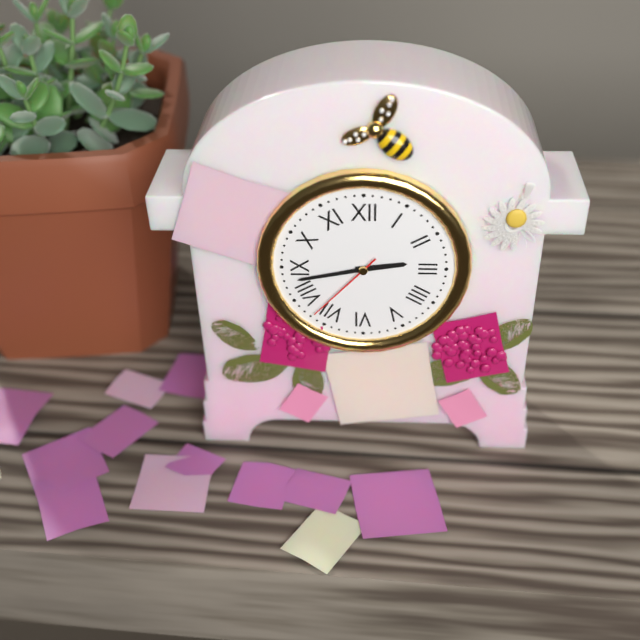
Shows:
2h43m37s
